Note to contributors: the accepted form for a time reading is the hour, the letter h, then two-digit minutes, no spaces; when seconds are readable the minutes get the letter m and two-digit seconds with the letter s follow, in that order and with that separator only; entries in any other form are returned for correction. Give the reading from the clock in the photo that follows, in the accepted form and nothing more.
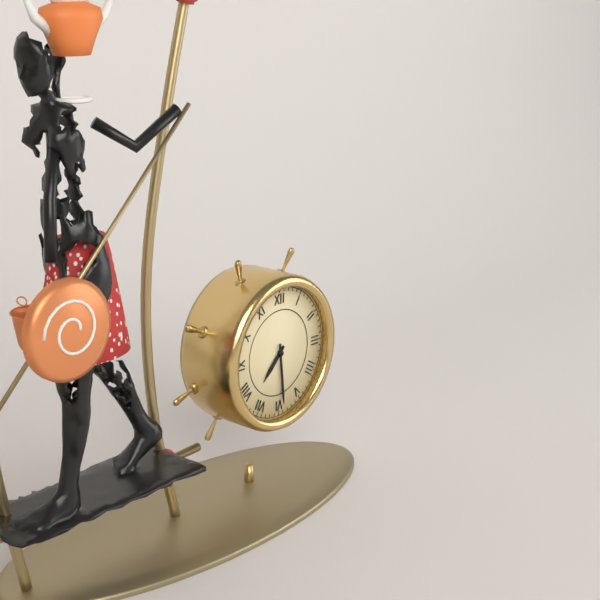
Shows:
7h29
